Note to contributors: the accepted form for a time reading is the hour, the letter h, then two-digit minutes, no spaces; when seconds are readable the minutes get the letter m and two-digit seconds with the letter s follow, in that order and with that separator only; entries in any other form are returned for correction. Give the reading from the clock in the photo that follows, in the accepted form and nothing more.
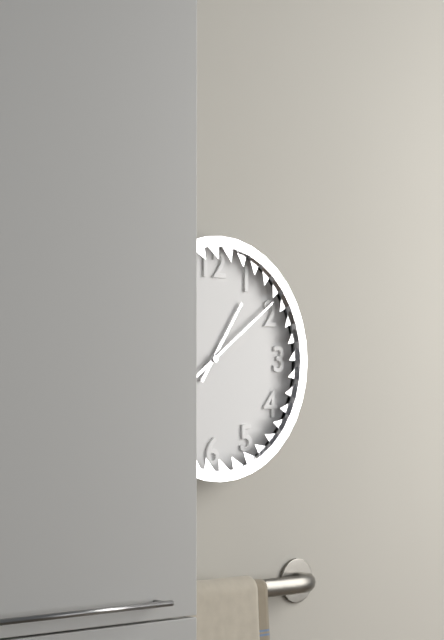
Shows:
1h09
